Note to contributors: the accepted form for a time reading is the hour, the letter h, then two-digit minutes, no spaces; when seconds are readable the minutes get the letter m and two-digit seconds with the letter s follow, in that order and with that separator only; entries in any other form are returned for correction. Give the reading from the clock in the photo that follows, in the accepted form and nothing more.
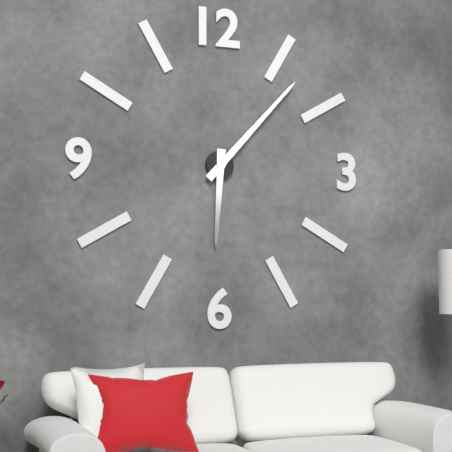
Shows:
6h07
